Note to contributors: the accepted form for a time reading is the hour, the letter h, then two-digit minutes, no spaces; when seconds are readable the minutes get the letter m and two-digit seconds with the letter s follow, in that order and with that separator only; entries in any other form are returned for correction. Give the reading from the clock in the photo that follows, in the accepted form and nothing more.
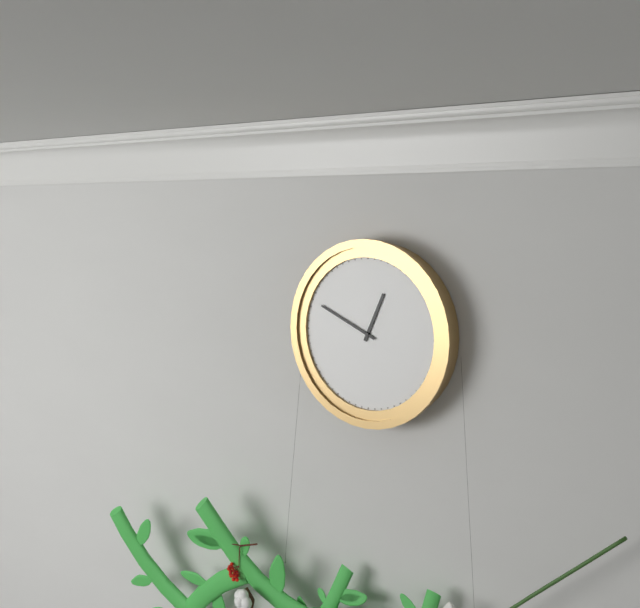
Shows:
12h49
